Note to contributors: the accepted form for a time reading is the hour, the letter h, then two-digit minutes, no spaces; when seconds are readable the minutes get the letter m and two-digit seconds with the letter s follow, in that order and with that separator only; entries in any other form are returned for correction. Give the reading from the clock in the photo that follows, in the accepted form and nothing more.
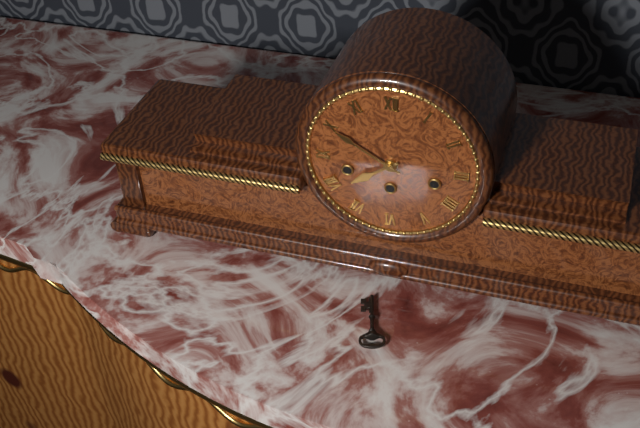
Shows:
7h50
